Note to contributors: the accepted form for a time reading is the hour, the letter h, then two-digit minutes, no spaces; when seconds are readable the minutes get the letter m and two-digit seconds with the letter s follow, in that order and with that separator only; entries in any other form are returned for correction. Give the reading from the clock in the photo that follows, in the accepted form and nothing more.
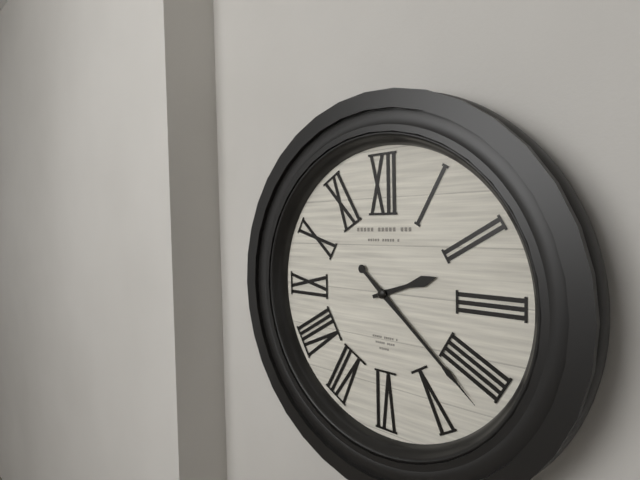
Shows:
2h22
